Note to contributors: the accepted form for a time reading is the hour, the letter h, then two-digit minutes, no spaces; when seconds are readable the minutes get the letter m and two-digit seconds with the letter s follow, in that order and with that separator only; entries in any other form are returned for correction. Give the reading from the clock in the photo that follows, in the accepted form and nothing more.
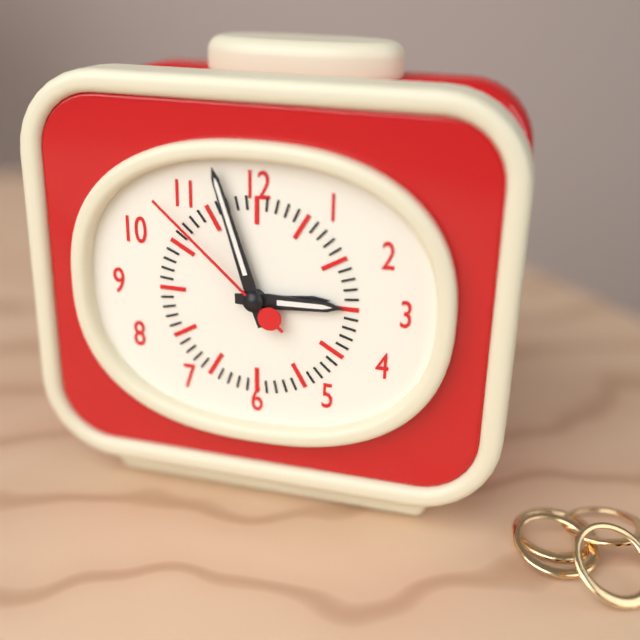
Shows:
2h57m52s
